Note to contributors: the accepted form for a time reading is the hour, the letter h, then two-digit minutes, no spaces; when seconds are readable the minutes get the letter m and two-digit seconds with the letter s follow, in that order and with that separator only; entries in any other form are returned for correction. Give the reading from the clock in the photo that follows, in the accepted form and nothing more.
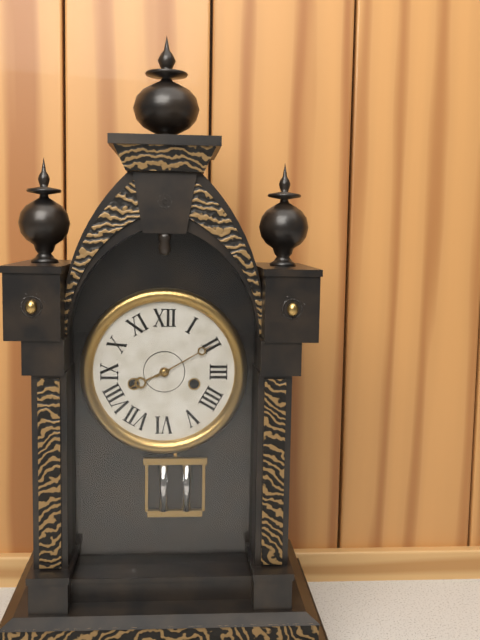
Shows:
8h10
